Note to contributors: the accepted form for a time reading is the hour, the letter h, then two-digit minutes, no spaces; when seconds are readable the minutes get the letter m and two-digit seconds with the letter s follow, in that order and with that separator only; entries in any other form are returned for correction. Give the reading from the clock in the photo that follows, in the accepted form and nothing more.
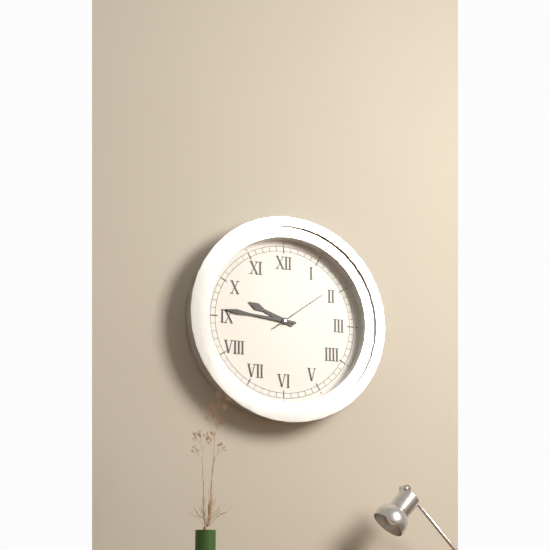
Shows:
9h46m09s
